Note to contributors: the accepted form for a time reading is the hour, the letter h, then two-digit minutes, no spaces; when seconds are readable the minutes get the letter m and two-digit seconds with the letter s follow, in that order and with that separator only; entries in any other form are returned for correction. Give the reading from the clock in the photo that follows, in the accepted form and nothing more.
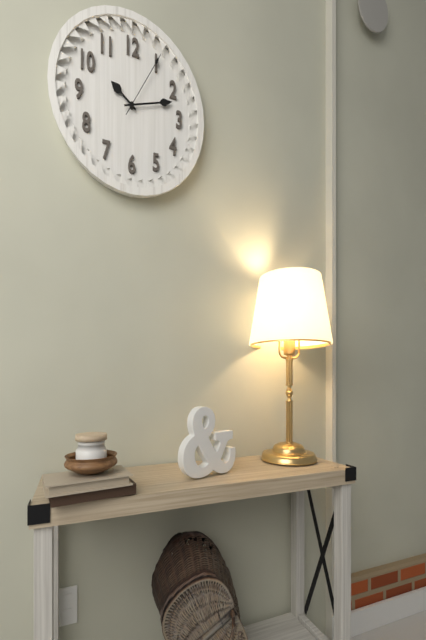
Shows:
10h12m05s
